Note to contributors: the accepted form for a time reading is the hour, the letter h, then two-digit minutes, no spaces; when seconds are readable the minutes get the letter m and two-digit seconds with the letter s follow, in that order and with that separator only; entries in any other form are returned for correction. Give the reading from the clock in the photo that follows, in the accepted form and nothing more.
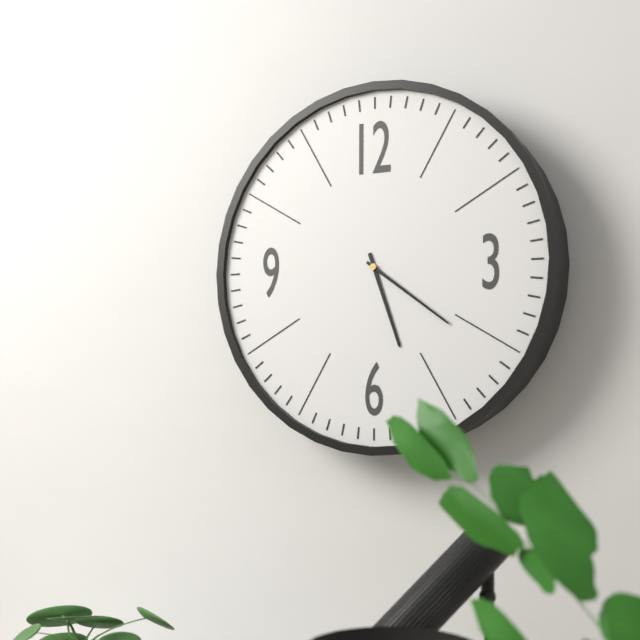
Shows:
5h21
